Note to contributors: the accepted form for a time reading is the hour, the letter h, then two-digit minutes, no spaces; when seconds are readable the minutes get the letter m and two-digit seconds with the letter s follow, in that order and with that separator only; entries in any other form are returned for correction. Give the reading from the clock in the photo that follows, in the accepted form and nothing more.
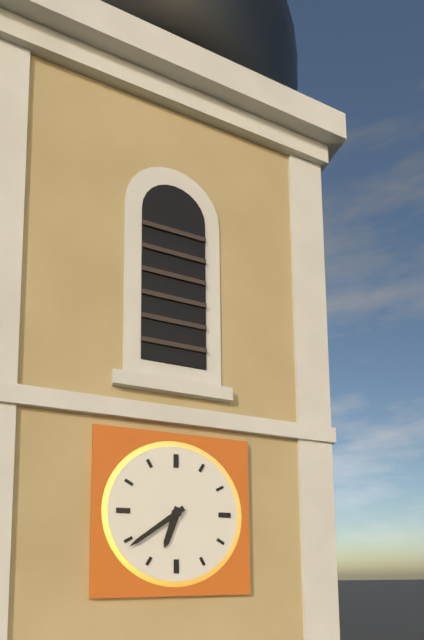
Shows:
6h39
